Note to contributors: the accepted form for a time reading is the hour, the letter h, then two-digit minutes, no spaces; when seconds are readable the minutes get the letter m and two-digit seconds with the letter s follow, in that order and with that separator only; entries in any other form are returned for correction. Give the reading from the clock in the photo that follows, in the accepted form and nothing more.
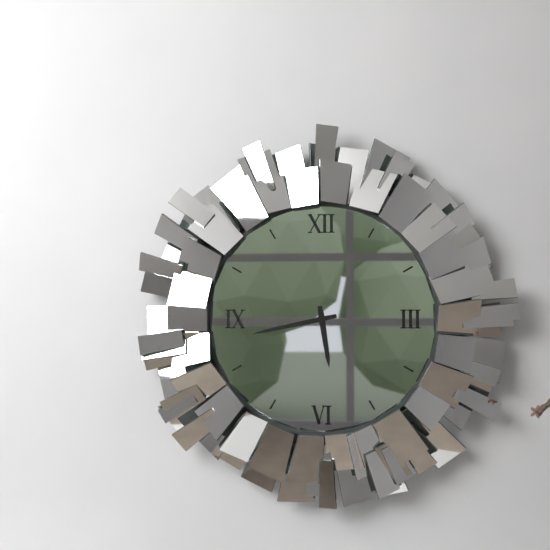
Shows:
5h43
